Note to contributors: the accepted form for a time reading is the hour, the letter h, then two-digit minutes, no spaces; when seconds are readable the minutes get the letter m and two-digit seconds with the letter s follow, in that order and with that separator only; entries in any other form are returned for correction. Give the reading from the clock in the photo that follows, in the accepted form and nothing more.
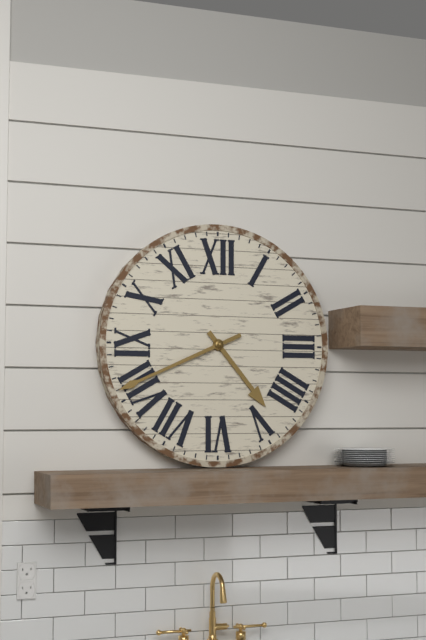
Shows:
4h41
